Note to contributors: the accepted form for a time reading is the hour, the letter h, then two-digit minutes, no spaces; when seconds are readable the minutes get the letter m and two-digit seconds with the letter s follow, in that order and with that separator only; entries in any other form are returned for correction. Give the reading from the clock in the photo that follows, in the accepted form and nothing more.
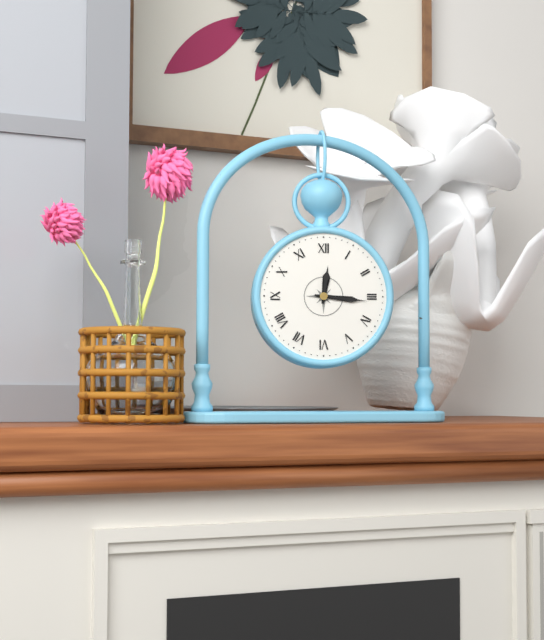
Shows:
12h16
